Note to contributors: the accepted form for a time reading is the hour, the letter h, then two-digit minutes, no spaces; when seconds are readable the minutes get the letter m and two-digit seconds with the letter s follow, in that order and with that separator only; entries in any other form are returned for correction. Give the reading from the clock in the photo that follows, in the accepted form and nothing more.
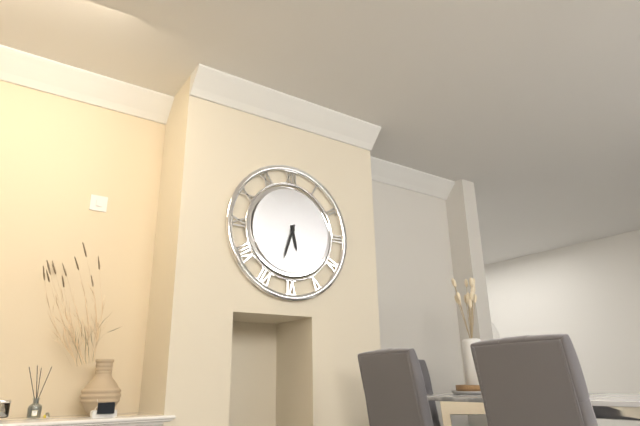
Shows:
5h33
